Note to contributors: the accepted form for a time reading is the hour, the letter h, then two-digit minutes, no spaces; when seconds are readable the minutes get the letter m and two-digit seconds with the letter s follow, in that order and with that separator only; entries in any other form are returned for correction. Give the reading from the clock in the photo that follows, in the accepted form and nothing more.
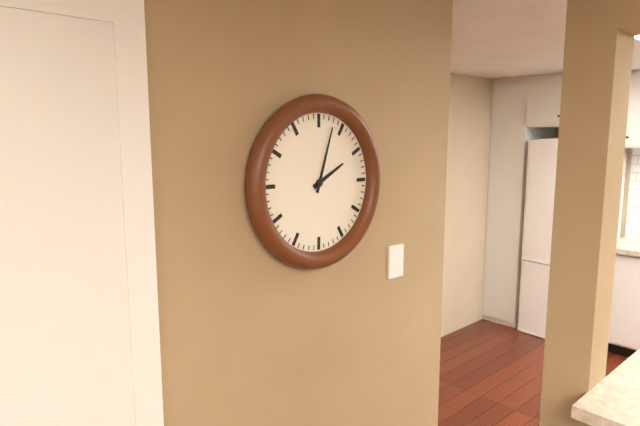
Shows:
2h03
